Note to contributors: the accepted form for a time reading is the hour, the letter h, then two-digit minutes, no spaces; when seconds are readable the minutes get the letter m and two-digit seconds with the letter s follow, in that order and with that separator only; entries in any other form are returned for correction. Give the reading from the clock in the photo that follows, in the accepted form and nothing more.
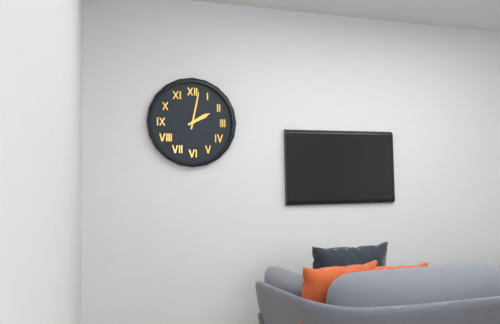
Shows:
2h02
